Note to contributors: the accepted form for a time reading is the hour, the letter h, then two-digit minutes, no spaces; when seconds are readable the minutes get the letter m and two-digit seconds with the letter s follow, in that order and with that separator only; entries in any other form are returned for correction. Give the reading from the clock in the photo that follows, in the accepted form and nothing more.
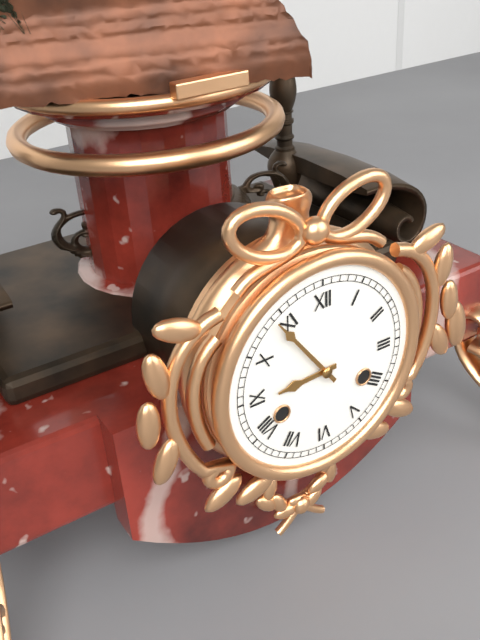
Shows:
8h54
